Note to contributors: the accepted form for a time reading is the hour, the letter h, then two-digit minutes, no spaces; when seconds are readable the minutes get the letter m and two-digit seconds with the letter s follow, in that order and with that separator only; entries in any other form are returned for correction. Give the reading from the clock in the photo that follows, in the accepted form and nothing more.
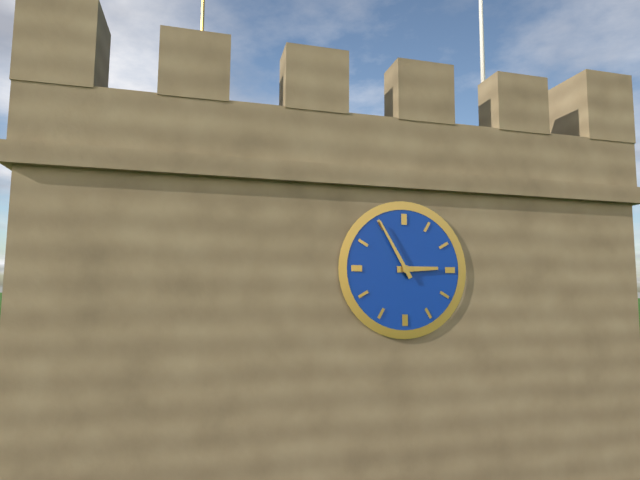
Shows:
2h55
